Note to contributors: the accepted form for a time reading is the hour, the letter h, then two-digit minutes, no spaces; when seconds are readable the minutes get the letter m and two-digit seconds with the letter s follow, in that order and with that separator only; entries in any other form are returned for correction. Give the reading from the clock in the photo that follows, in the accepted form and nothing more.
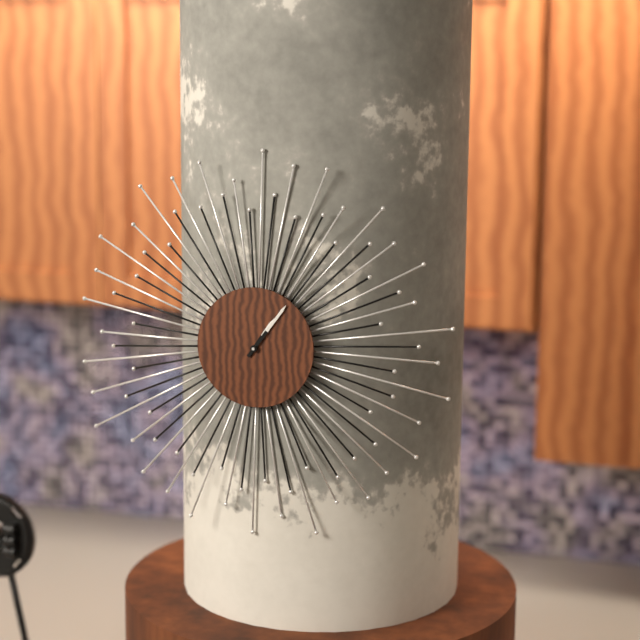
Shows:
1h06
